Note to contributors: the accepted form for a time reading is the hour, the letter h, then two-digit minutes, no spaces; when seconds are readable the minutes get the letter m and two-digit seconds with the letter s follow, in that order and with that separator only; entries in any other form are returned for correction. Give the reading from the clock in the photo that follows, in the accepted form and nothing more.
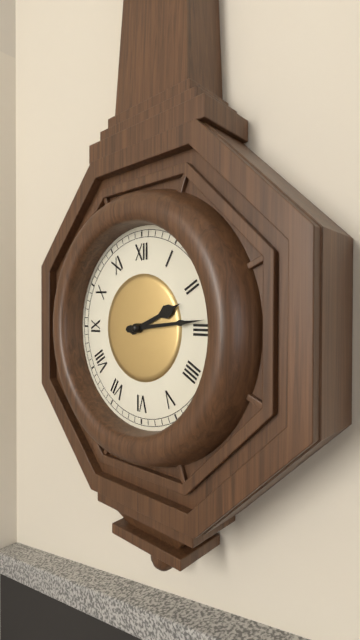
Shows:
2h14
